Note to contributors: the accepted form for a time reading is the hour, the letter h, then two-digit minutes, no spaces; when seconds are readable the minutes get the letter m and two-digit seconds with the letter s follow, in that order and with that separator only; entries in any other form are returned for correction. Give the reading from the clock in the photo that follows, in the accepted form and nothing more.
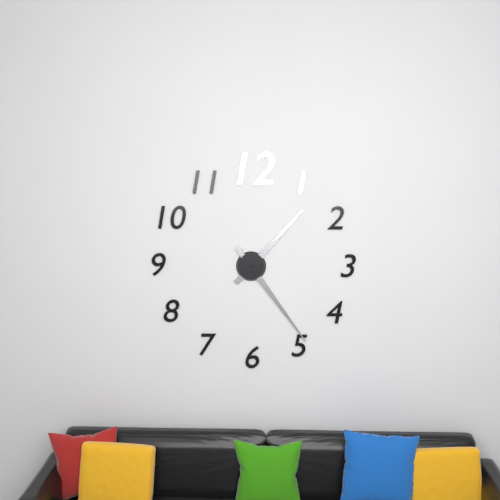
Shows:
1h24
